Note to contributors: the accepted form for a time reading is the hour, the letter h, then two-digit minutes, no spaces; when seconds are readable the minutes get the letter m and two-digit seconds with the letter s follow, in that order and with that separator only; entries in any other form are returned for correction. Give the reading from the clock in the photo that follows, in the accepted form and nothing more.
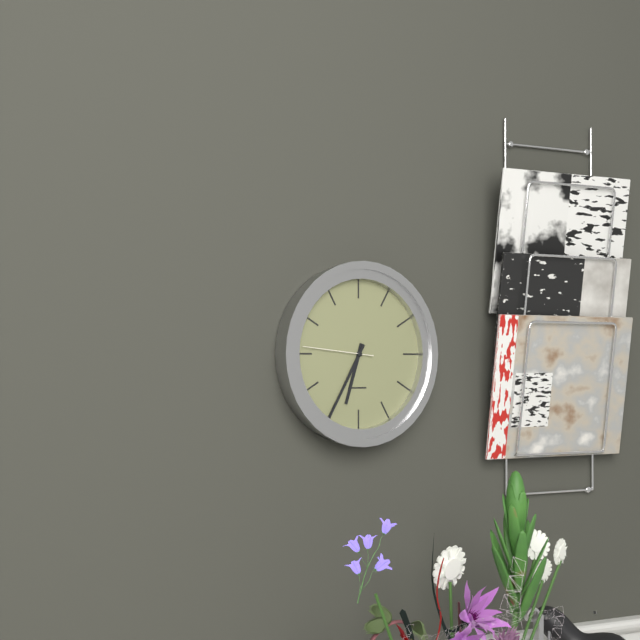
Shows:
6h35m46s
